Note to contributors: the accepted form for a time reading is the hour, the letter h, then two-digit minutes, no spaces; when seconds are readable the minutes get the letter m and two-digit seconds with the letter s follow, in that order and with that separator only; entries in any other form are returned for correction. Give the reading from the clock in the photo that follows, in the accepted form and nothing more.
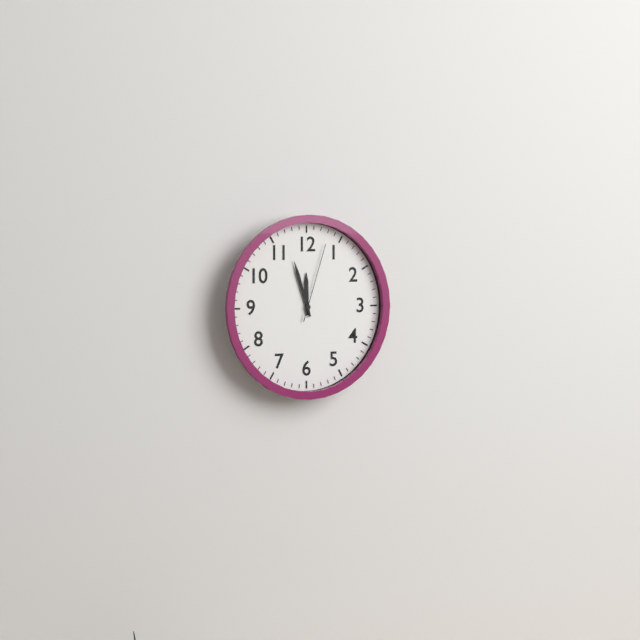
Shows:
11h57m03s
